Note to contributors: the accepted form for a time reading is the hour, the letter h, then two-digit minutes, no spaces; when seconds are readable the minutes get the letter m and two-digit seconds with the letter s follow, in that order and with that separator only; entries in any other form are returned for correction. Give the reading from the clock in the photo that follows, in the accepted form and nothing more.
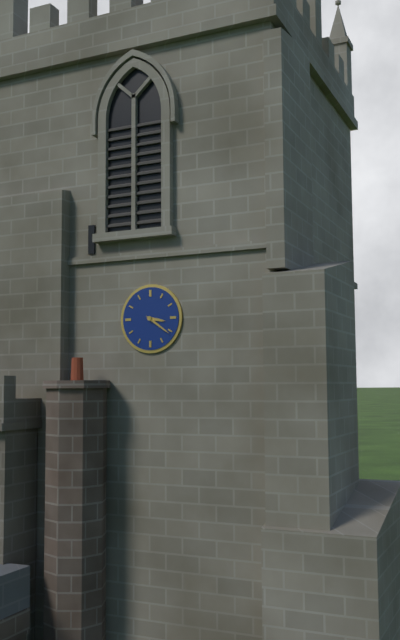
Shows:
3h21
